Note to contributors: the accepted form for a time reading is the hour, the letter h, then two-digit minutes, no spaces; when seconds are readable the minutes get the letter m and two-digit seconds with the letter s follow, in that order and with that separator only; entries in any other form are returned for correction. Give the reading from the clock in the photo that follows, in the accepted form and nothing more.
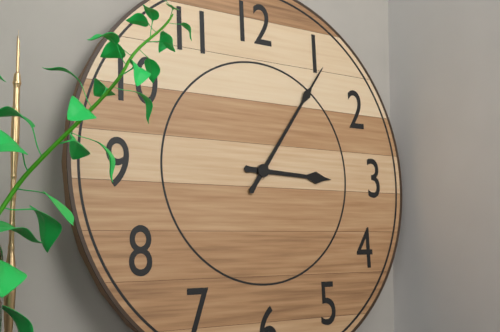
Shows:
3h06
